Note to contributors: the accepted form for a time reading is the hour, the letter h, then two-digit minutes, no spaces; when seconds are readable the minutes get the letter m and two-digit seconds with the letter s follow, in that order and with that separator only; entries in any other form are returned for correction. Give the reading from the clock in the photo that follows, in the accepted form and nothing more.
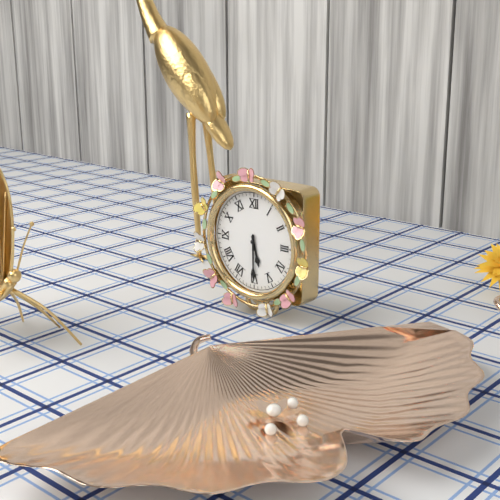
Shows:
5h30
